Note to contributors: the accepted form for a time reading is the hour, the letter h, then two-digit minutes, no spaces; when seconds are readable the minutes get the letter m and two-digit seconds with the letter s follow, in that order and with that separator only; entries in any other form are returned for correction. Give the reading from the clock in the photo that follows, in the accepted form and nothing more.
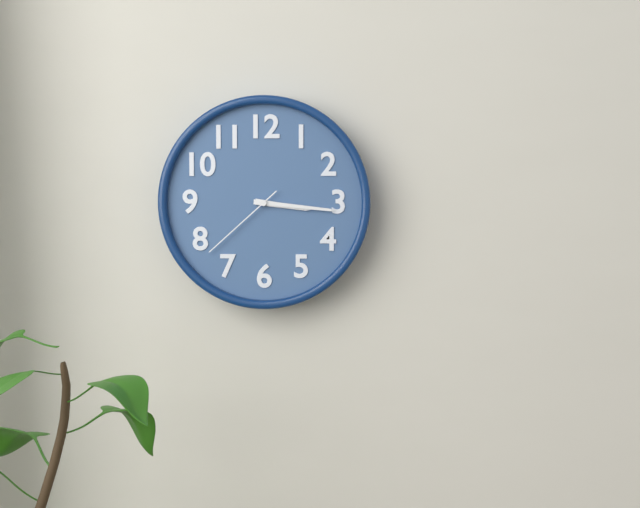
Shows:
3h16m38s
